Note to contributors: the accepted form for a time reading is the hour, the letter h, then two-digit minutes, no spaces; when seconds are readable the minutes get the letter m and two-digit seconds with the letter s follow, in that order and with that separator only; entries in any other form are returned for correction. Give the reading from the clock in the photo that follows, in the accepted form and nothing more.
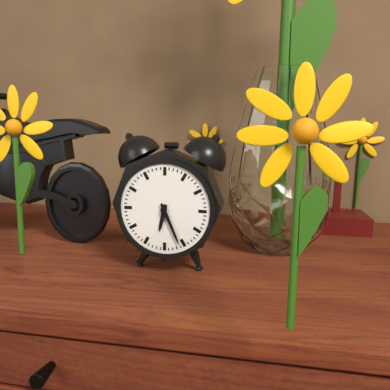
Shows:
6h26
